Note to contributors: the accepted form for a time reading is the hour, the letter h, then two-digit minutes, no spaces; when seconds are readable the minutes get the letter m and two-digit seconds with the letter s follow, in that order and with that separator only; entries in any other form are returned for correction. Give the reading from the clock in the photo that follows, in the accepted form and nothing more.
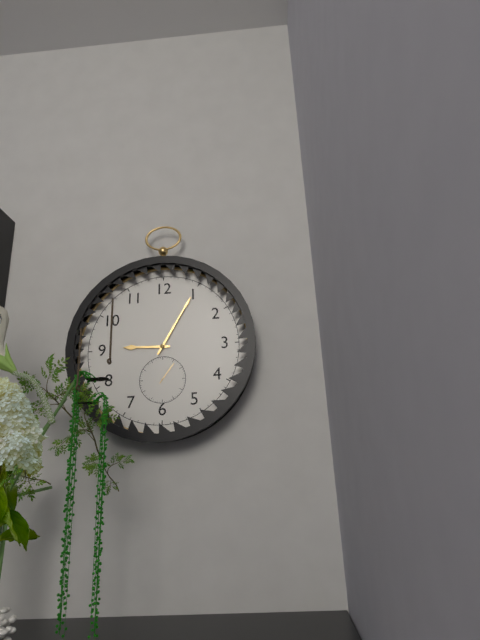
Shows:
9h05
